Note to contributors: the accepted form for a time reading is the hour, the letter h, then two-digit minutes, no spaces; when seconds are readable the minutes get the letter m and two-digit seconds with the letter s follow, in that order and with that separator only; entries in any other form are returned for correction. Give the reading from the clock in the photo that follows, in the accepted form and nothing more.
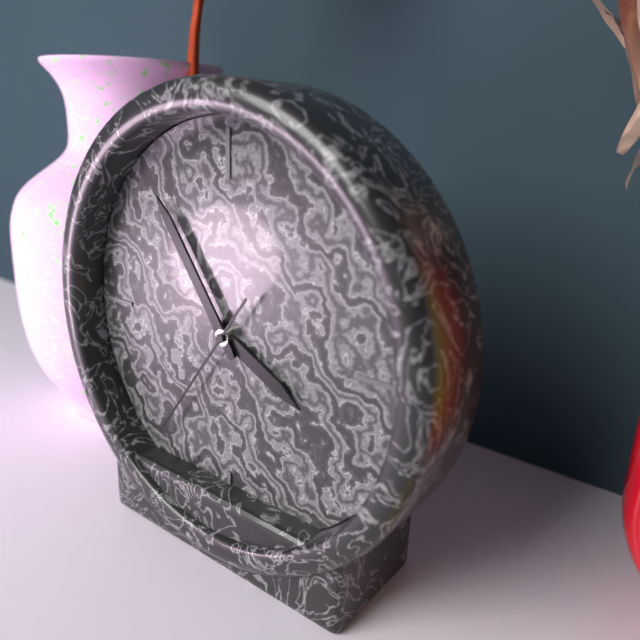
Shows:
3h54m36s
